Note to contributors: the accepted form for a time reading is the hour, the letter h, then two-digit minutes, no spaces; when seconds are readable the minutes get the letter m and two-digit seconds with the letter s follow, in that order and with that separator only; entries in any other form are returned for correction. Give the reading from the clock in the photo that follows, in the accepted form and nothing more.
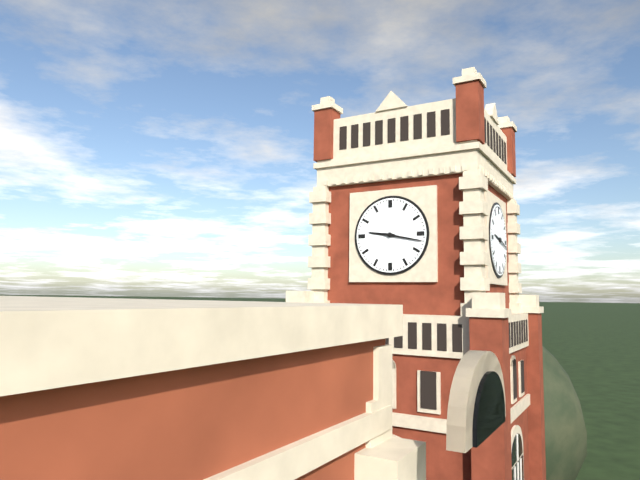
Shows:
9h17
